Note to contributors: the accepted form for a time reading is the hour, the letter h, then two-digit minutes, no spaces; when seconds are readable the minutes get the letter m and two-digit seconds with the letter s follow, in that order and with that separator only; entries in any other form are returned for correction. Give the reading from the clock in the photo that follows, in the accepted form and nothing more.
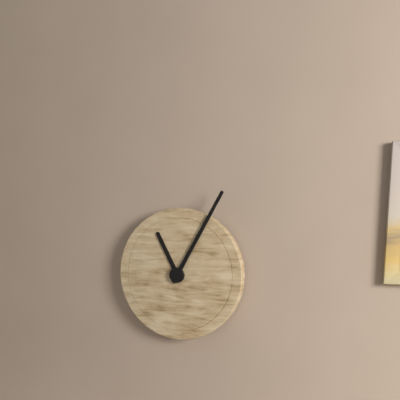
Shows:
11h05
